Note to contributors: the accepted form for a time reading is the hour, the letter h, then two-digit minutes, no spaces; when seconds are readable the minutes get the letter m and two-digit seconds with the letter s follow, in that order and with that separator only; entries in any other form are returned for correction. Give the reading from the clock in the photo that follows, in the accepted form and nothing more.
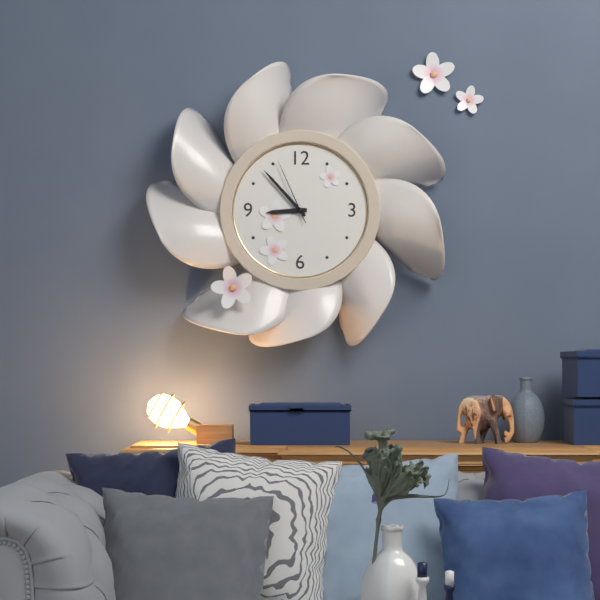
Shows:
8h53m56s
